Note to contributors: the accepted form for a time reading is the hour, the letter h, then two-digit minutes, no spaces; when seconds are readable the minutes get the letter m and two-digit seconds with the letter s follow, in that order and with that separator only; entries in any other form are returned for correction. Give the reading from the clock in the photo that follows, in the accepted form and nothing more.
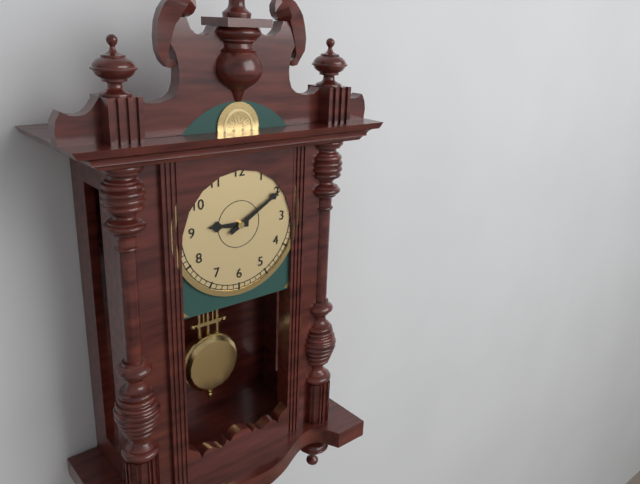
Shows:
9h10
